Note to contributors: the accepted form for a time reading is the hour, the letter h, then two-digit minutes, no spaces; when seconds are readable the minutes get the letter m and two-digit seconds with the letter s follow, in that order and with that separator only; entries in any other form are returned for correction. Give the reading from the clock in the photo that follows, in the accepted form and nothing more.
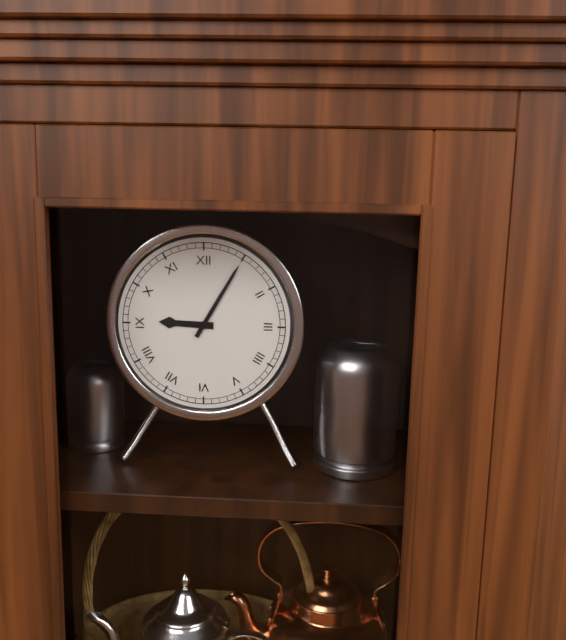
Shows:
9h05
